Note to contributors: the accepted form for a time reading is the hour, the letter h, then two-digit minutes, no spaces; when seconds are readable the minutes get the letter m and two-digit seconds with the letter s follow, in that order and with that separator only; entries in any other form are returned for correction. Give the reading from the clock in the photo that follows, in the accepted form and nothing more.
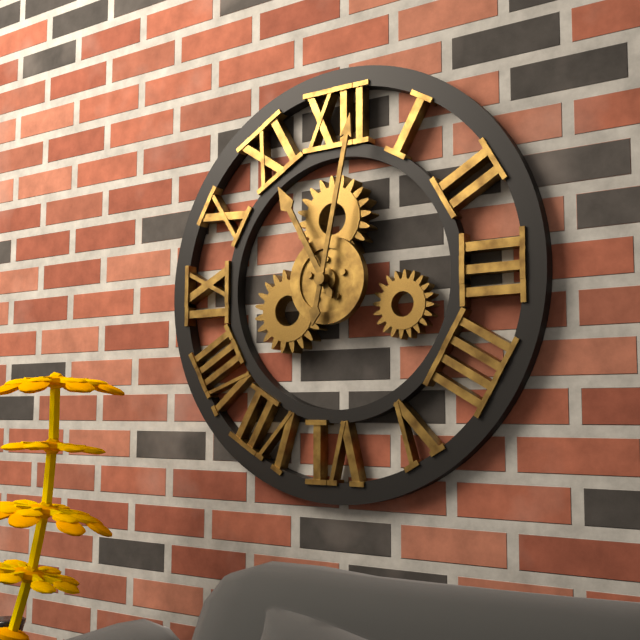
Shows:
11h02
